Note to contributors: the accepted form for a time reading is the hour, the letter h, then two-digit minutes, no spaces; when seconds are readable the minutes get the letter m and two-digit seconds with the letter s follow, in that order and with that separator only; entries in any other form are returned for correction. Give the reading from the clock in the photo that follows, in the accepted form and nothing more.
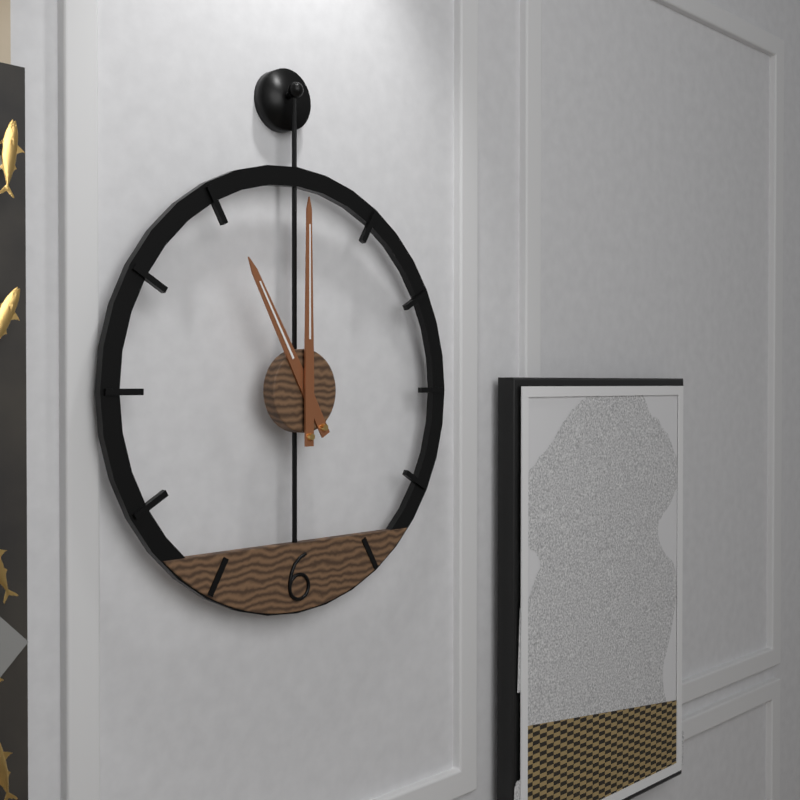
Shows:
11h00
